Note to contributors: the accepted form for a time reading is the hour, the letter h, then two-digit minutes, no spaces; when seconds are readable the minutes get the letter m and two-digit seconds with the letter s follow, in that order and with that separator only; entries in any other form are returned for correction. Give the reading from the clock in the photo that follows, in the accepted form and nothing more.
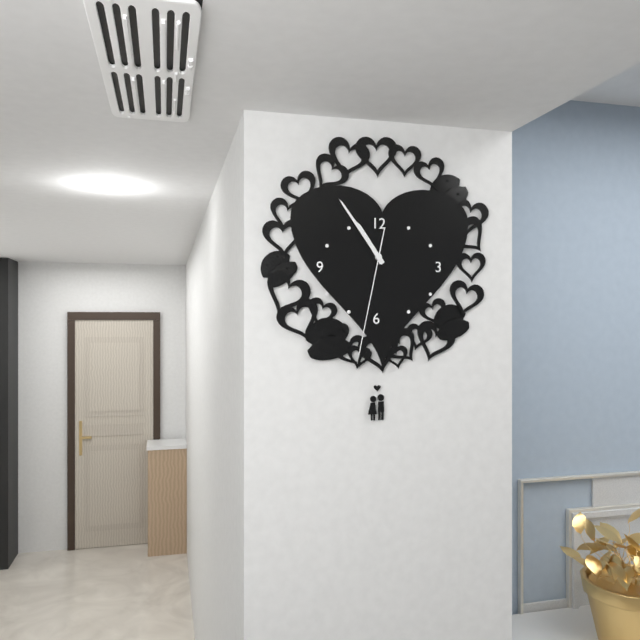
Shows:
10h54m32s
